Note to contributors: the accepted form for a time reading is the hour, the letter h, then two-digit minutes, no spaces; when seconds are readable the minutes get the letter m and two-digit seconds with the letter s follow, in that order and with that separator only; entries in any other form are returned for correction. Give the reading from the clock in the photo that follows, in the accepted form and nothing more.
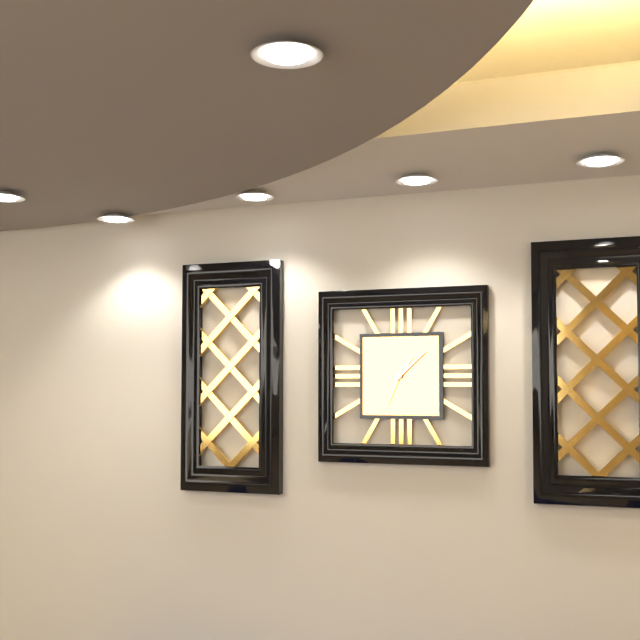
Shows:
1h08
